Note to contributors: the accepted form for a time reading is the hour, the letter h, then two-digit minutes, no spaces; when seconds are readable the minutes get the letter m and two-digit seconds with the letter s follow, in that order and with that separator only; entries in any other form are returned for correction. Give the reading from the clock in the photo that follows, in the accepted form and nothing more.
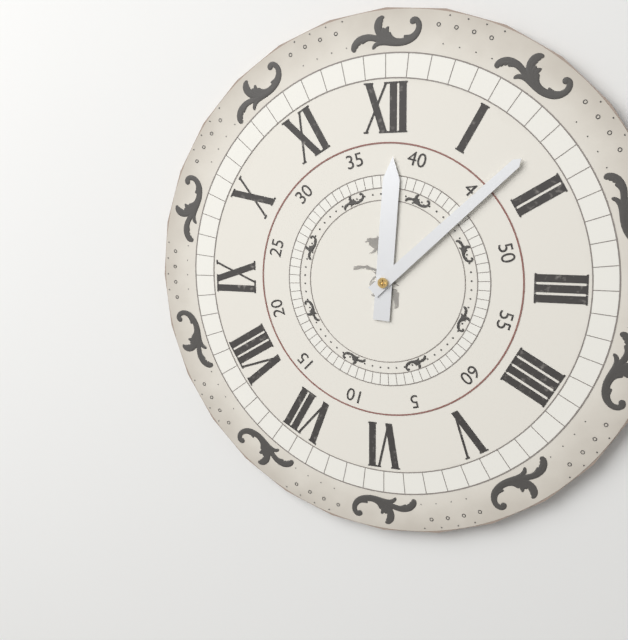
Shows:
12h08
